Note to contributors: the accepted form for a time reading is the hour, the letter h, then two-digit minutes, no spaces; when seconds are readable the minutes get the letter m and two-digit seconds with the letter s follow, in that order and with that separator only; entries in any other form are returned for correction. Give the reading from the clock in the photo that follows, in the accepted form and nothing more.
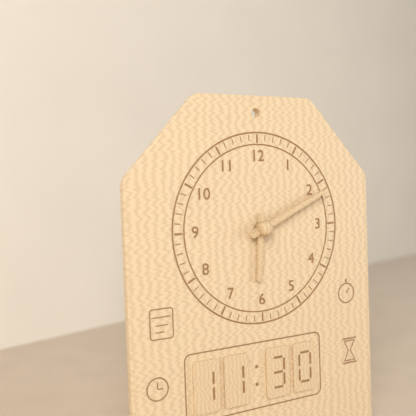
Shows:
6h11
